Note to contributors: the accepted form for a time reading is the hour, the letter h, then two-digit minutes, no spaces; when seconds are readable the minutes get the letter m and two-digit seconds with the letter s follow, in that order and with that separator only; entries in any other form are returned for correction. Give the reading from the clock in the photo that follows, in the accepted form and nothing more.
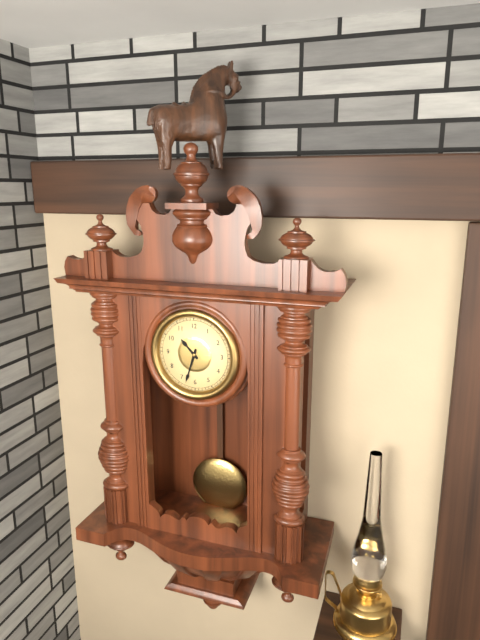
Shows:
10h33
